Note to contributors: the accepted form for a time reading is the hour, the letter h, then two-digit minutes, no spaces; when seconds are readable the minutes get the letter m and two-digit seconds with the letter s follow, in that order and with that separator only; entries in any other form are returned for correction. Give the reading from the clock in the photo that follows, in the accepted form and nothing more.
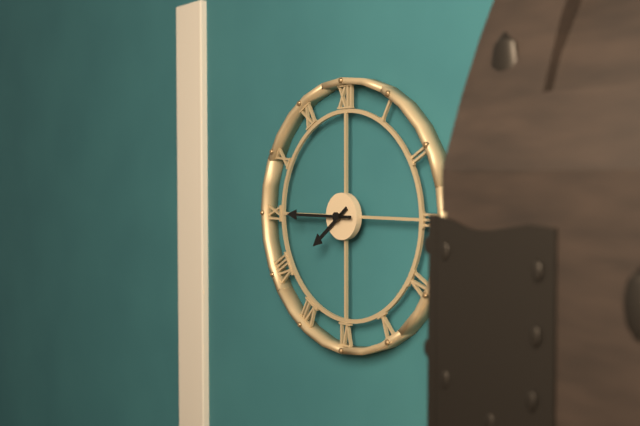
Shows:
7h45
